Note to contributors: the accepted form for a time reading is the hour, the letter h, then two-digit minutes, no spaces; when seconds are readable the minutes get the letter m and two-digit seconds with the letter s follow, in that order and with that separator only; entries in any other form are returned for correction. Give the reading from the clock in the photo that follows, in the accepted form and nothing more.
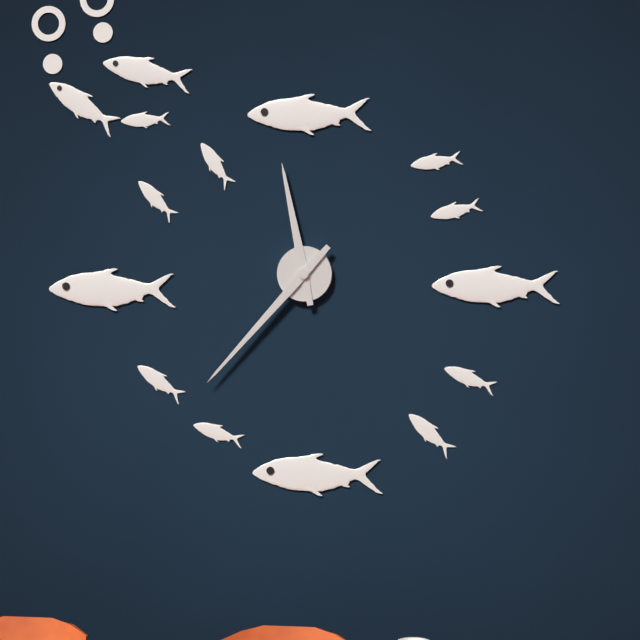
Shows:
11h37
